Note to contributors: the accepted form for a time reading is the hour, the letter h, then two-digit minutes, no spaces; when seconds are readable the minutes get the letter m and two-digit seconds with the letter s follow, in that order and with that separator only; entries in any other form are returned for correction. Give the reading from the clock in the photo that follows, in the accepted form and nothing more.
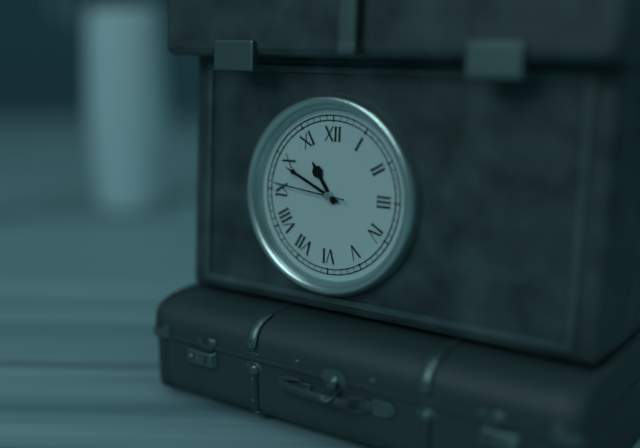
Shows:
10h49m46s
